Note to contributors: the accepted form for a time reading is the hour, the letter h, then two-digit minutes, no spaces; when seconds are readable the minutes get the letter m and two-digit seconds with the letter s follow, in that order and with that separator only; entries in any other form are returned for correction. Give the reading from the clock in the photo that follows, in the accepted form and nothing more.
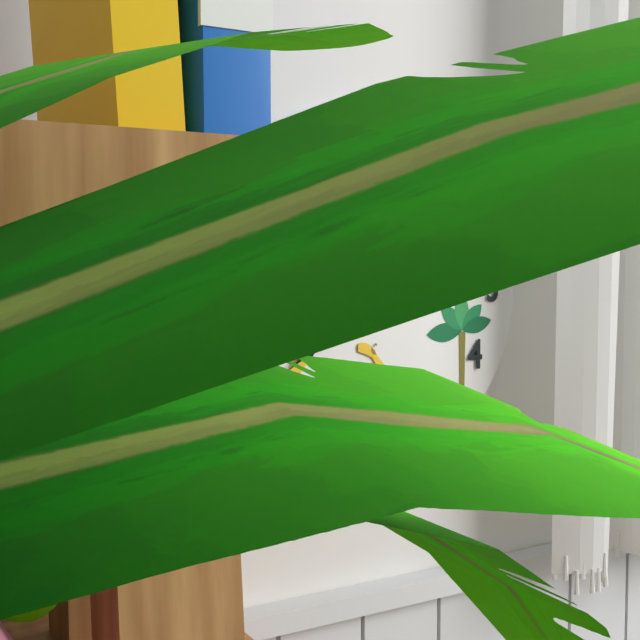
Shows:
7h39m47s
